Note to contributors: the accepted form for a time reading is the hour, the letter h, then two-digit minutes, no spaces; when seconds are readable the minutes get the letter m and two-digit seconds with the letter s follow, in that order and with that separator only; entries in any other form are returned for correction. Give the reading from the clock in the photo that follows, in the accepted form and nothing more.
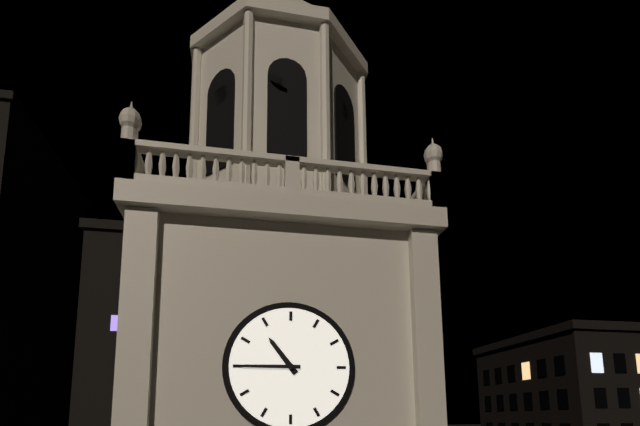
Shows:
10h45
